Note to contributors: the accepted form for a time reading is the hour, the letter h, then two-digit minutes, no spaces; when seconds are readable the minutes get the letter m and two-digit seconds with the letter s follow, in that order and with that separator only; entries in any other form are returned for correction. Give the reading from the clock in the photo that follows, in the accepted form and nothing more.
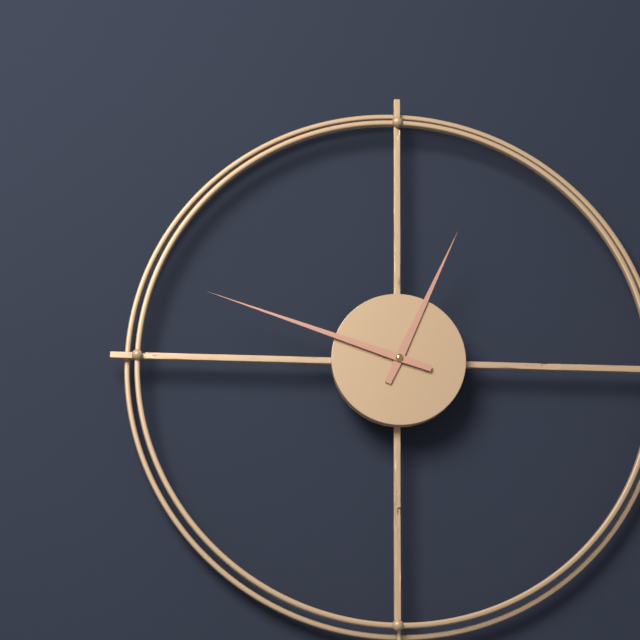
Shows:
12h48
